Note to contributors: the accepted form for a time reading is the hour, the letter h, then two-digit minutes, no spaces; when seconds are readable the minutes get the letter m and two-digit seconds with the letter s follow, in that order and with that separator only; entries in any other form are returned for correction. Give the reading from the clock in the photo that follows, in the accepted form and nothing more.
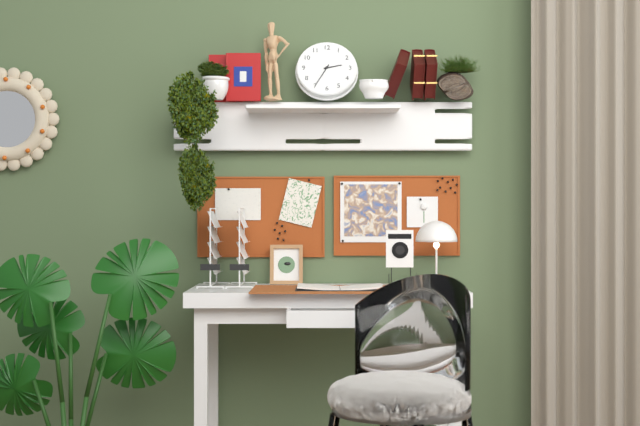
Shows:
2h35
